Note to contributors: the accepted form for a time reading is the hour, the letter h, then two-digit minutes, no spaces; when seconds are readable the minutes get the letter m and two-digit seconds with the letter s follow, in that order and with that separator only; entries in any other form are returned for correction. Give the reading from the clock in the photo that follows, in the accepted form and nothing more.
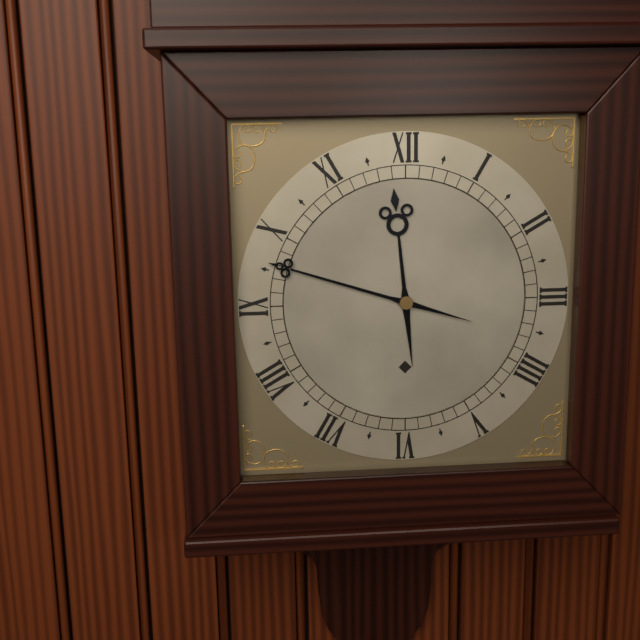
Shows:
11h48
